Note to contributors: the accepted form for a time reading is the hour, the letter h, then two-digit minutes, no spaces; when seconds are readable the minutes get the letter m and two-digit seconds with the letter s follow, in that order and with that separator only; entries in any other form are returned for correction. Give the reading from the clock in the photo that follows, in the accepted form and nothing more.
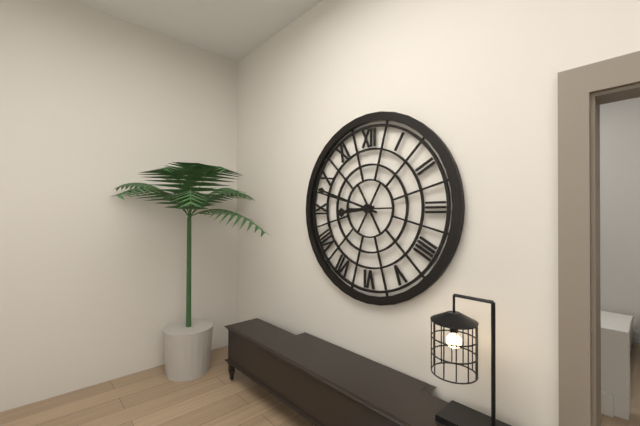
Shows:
8h48
